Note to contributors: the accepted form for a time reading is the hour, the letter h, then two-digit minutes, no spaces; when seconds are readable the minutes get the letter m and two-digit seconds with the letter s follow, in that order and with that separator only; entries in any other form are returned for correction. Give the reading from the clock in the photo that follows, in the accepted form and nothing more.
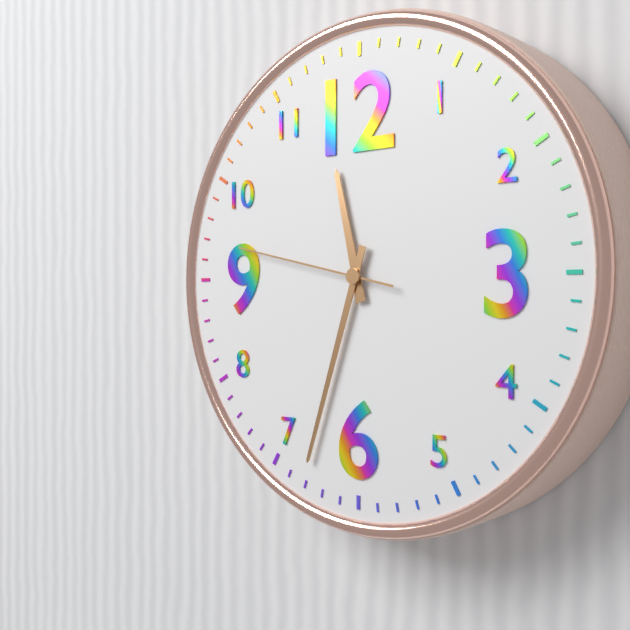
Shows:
11h33m47s
